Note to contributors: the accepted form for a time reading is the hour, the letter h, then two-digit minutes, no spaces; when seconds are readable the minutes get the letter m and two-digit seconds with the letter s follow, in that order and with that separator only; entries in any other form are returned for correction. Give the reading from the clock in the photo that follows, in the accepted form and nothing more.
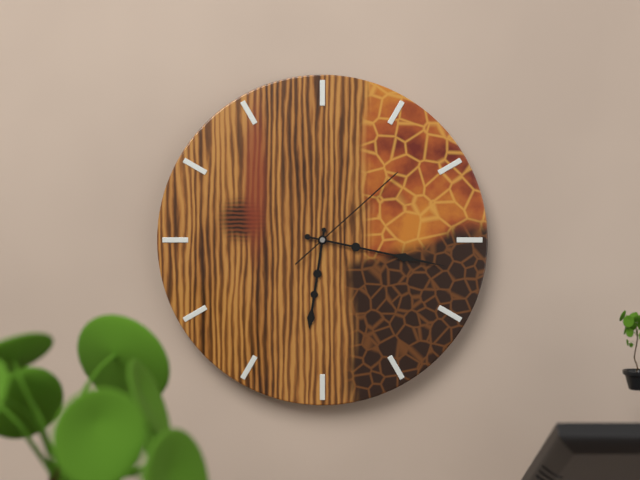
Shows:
6h17m08s
